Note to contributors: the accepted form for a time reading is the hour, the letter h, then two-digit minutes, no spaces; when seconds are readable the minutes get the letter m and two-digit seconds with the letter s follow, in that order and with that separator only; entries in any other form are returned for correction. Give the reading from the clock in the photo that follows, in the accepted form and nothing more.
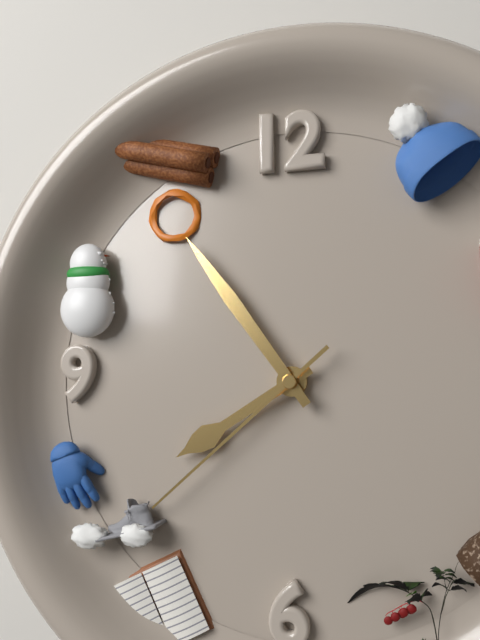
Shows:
7h54m38s
